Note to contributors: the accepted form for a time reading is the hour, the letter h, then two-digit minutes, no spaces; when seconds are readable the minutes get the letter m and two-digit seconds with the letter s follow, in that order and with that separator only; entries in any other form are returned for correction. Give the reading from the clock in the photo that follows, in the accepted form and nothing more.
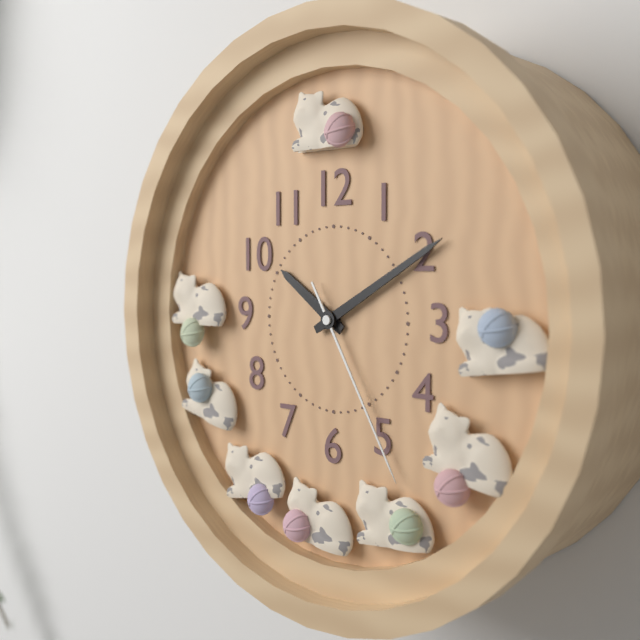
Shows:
10h10m25s
